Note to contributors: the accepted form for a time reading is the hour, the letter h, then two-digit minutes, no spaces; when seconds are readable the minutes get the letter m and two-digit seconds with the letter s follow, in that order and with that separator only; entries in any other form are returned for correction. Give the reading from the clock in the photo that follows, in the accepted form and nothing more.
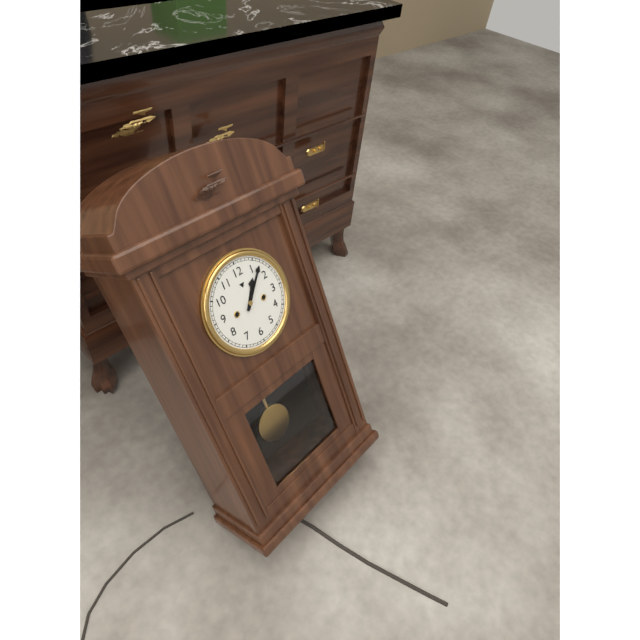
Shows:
1h07
